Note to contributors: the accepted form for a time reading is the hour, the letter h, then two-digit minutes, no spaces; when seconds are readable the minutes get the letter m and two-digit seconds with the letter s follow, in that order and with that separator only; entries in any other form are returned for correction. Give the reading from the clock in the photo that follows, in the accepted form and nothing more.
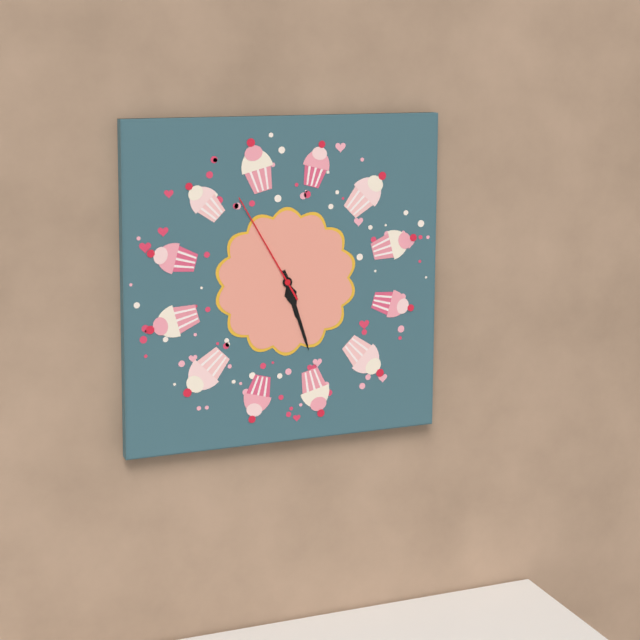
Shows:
5h27m55s
